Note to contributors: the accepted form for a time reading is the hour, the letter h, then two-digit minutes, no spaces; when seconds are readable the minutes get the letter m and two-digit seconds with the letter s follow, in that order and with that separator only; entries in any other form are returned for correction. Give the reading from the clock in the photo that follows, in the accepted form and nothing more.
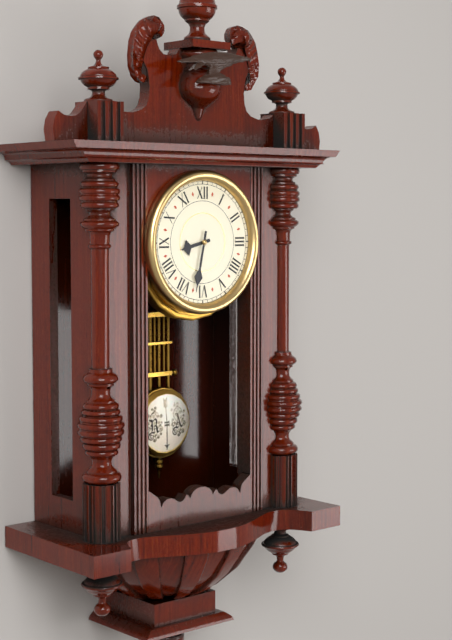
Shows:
8h32
